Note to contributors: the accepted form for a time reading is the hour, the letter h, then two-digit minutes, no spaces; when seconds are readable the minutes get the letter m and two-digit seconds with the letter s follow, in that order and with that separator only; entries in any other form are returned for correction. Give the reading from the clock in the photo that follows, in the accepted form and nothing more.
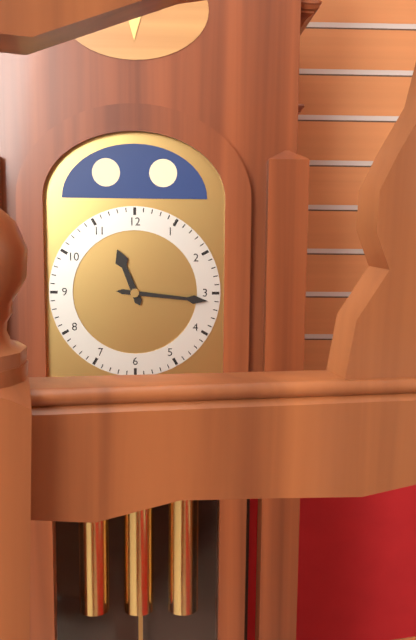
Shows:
11h16
